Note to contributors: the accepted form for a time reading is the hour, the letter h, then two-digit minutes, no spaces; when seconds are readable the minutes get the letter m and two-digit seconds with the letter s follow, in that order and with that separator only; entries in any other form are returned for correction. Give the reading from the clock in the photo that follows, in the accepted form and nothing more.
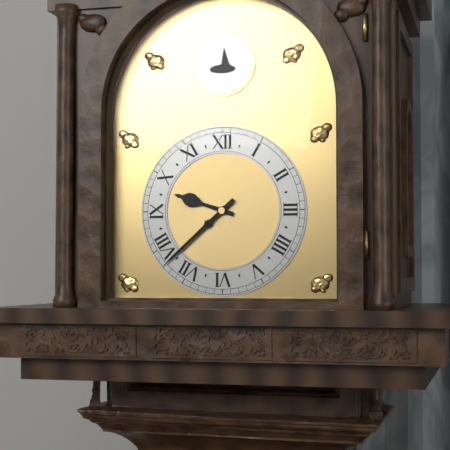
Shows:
9h38
